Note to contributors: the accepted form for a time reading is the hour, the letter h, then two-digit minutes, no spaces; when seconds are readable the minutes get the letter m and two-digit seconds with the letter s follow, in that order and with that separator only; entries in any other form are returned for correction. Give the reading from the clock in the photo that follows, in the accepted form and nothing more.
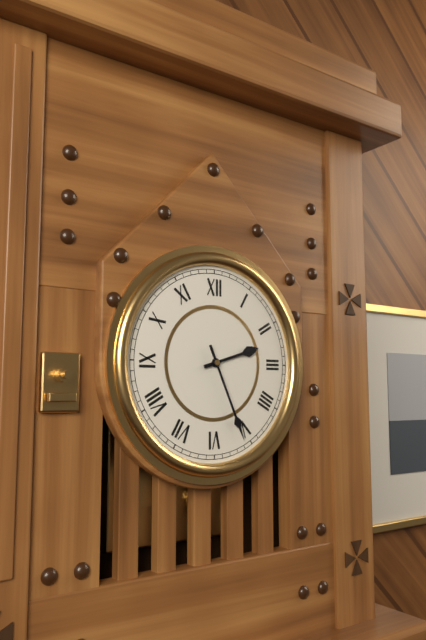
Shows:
2h26
